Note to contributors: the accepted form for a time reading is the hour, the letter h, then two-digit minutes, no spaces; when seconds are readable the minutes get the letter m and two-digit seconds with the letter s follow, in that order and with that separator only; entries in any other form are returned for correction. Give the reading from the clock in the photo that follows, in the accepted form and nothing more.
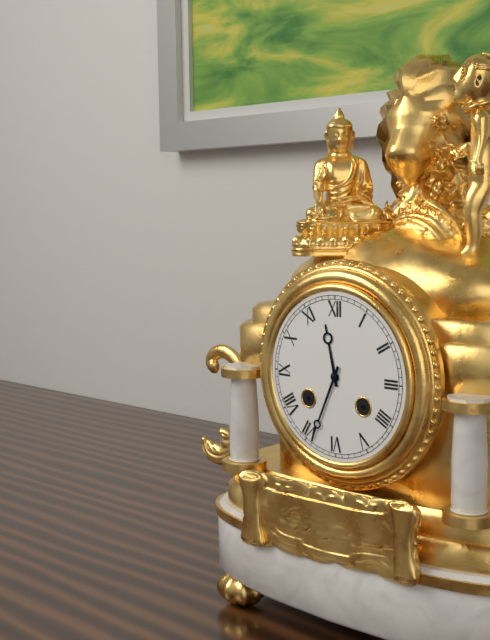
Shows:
11h34
